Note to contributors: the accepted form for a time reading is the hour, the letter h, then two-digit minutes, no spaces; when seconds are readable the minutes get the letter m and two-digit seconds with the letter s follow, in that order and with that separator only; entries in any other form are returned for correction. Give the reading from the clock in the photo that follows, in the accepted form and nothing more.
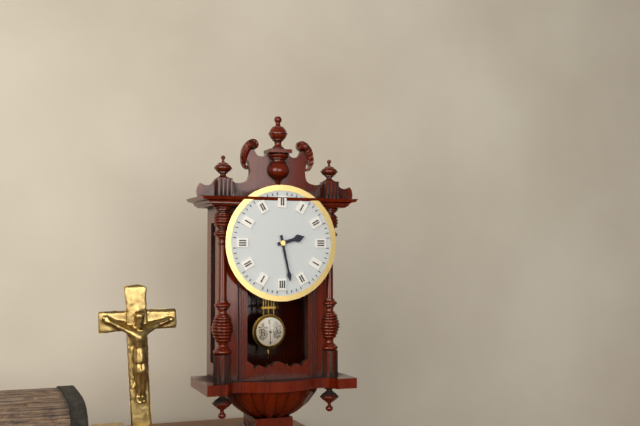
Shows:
2h28
